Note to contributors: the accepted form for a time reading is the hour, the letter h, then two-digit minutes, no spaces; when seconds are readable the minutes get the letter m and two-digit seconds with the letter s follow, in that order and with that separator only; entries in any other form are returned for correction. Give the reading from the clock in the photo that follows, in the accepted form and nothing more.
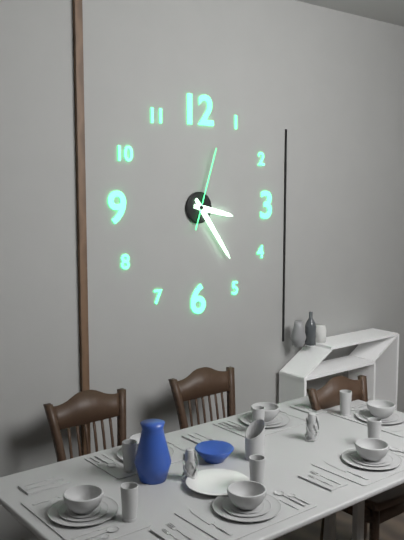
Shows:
3h24m03s
